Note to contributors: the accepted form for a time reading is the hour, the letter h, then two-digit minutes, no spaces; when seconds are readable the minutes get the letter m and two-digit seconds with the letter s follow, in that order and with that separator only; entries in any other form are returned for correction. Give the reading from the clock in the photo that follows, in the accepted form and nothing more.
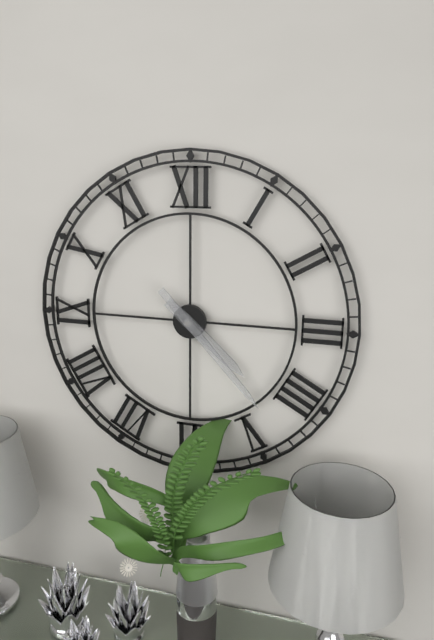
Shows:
4h23
